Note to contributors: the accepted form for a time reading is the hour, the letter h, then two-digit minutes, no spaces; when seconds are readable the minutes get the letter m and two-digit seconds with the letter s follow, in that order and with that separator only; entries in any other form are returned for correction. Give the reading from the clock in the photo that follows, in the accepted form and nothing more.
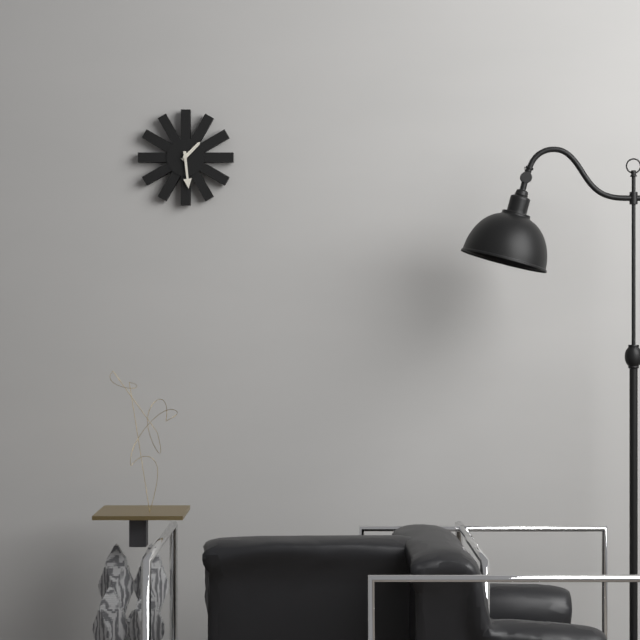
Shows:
1h29
